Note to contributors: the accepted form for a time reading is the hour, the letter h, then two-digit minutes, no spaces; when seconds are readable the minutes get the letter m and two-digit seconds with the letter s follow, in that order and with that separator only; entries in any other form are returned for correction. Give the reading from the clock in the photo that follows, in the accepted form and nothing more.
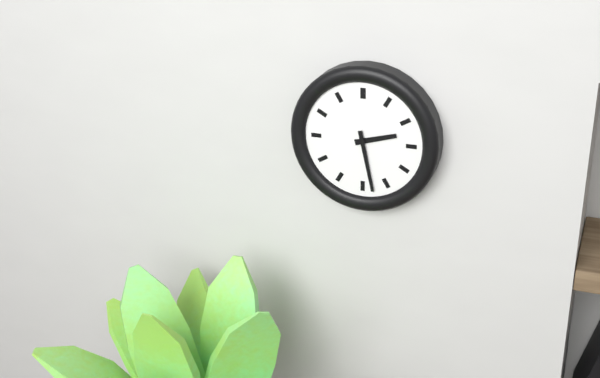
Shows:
2h28
